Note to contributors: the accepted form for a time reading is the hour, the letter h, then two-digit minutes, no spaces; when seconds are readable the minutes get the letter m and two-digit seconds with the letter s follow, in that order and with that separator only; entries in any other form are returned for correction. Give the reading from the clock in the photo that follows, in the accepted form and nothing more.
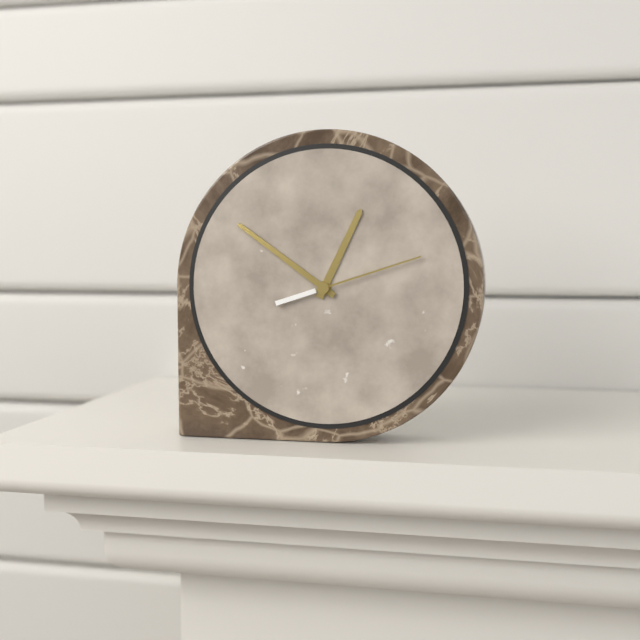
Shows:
12h51m12s
